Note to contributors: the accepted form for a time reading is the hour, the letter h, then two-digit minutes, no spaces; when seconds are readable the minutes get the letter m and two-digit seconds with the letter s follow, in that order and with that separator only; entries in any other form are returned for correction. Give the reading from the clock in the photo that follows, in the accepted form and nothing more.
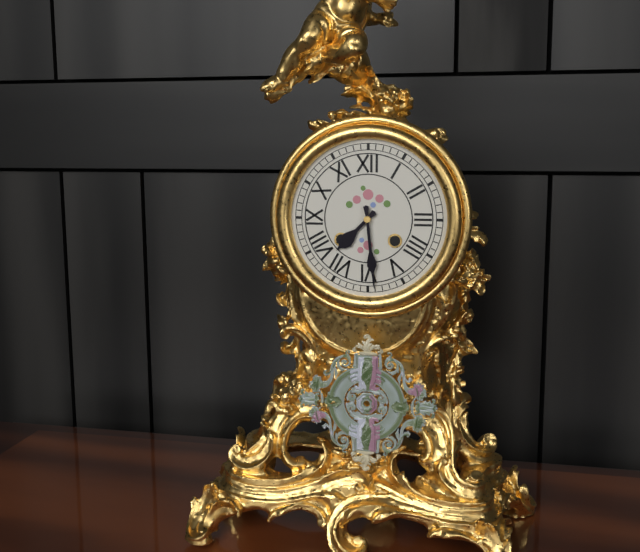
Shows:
7h29
